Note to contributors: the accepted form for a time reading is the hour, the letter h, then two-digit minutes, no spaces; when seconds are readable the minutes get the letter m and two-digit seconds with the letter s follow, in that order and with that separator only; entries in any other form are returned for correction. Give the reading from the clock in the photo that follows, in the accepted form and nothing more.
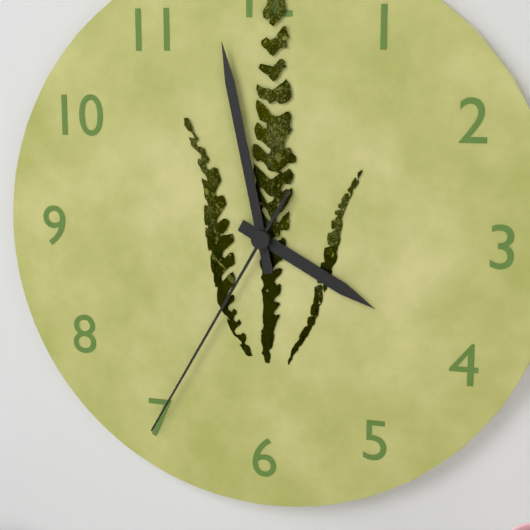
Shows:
3h58m35s
